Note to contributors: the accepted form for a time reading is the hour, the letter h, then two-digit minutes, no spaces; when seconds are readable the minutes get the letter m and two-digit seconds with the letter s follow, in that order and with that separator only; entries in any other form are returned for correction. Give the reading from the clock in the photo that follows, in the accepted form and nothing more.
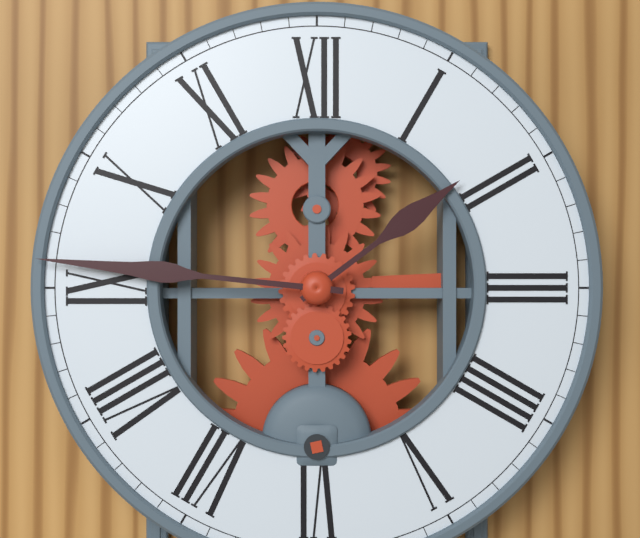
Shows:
1h46
